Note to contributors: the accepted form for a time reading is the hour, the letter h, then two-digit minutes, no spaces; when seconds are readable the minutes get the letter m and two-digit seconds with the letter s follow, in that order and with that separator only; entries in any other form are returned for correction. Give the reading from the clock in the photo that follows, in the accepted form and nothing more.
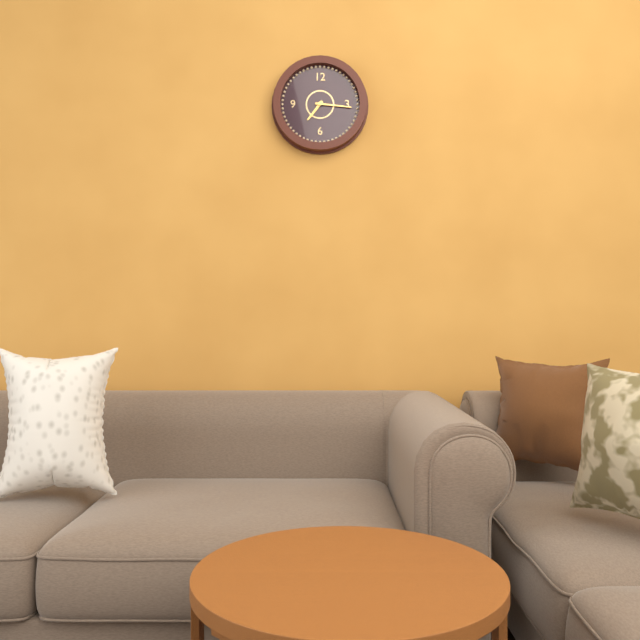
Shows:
7h16
